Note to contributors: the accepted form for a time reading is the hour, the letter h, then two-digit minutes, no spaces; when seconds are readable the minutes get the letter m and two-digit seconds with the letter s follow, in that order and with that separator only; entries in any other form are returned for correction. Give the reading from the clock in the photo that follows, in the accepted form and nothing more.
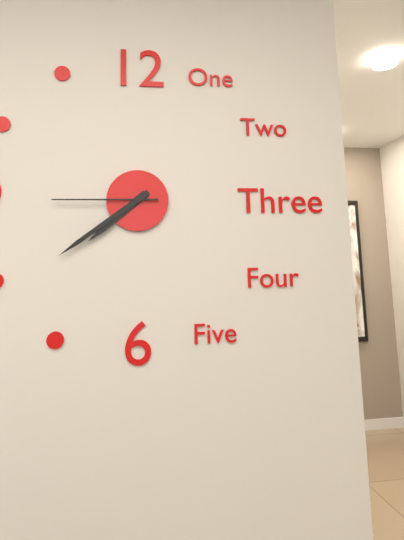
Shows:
7h39m45s
